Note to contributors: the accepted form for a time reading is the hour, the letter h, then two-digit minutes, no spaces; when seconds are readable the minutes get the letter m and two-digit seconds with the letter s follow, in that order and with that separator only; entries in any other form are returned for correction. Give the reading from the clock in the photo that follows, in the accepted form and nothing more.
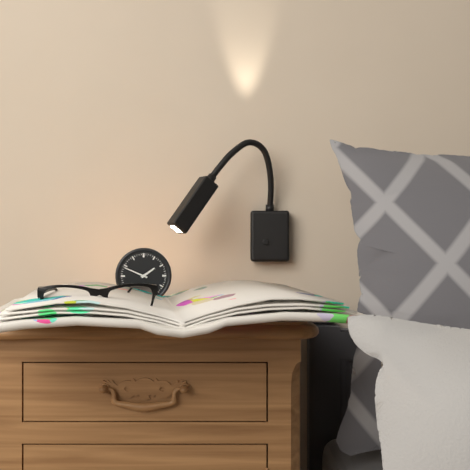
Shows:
1h49
